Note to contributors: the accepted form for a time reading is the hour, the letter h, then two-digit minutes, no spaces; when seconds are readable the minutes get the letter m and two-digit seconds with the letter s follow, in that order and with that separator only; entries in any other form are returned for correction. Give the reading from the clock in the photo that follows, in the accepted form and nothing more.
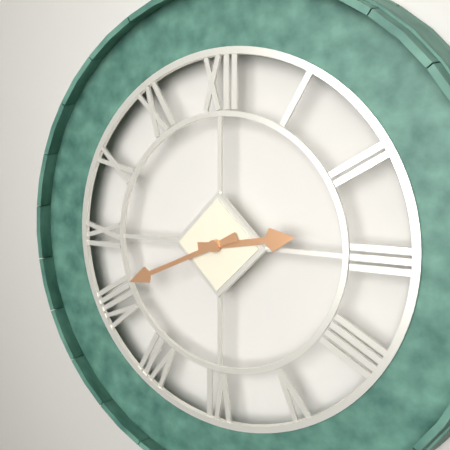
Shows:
2h41
